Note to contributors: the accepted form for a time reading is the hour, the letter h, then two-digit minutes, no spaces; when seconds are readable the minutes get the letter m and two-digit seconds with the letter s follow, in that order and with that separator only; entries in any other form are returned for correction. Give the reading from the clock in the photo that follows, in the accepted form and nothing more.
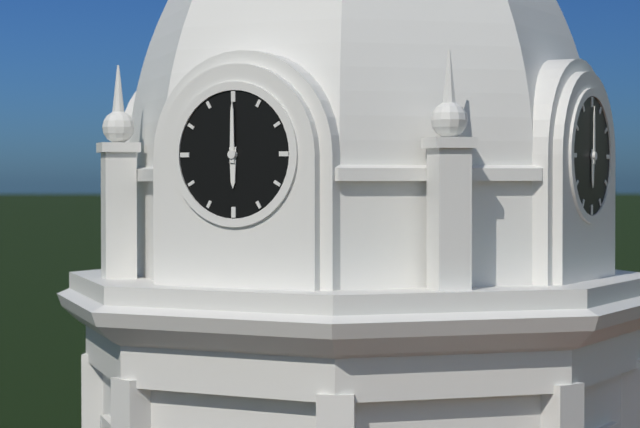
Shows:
6h00
